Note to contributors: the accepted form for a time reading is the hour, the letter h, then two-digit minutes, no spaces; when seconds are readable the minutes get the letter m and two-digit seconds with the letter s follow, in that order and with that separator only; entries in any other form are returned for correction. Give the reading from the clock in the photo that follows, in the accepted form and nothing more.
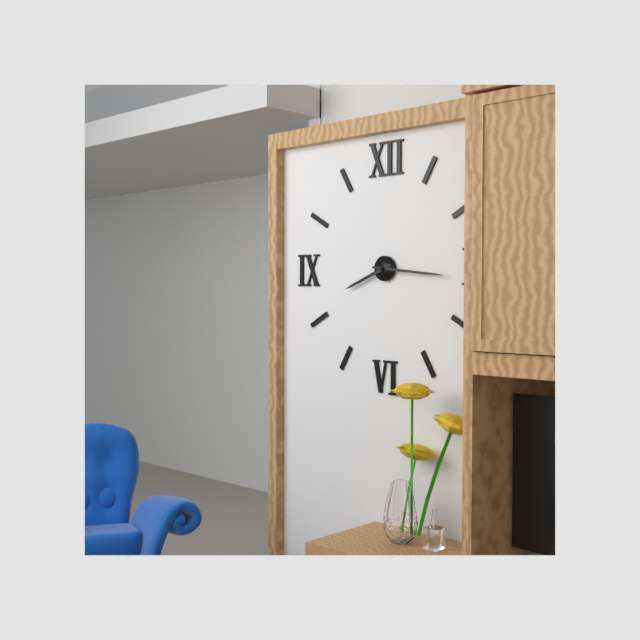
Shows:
8h16
